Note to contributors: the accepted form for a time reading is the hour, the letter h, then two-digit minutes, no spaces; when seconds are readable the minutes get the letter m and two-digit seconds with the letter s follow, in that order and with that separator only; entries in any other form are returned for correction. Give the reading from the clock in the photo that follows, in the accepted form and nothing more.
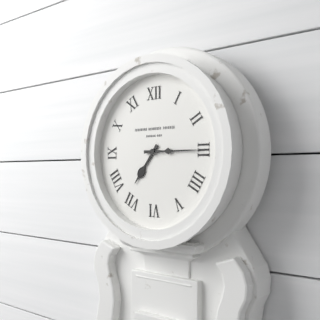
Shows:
7h15
